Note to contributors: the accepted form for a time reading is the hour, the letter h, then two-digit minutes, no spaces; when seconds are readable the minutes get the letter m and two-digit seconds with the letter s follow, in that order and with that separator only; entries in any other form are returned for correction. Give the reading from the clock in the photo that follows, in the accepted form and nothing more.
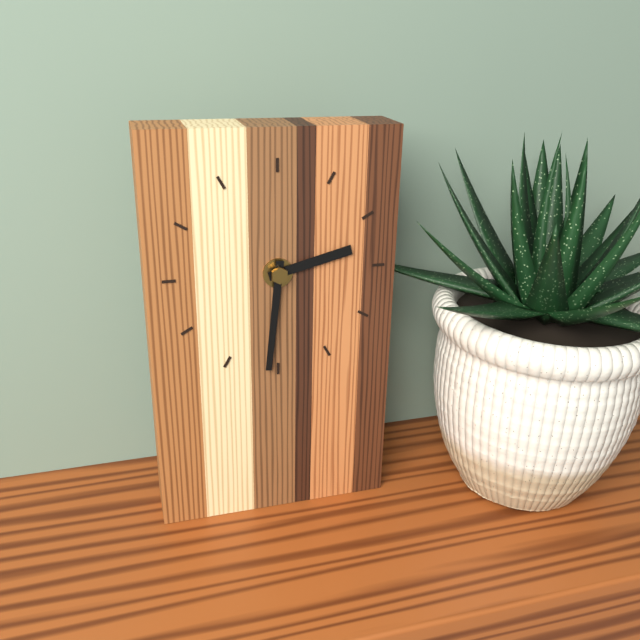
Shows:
2h31
